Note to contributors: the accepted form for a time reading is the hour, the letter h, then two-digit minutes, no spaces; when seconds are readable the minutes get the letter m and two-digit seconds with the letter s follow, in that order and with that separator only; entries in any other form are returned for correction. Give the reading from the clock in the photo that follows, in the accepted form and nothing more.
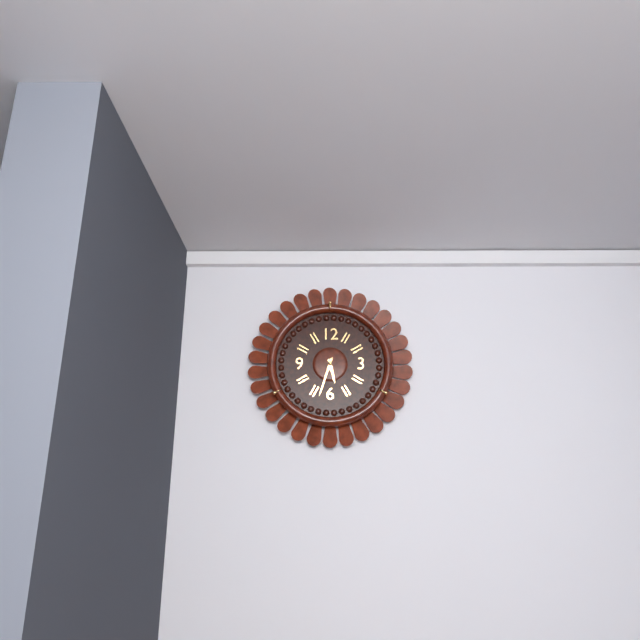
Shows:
5h33
